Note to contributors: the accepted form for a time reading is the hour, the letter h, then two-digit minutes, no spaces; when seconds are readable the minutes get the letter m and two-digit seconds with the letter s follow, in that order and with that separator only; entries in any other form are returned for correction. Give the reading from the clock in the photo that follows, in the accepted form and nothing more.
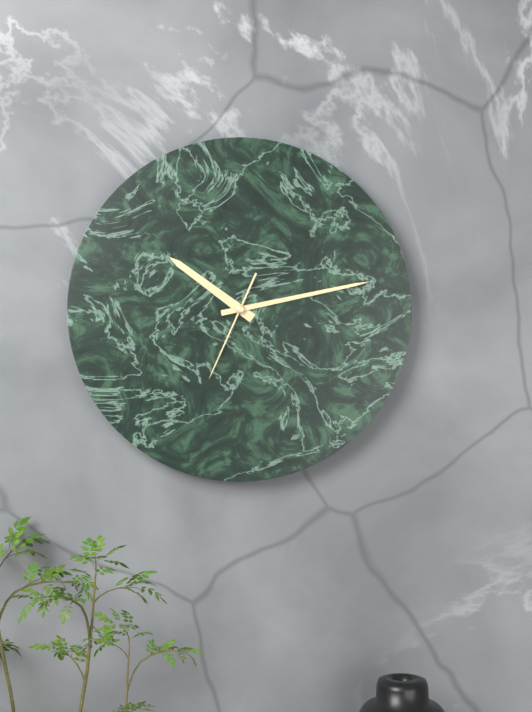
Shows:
10h13m34s
